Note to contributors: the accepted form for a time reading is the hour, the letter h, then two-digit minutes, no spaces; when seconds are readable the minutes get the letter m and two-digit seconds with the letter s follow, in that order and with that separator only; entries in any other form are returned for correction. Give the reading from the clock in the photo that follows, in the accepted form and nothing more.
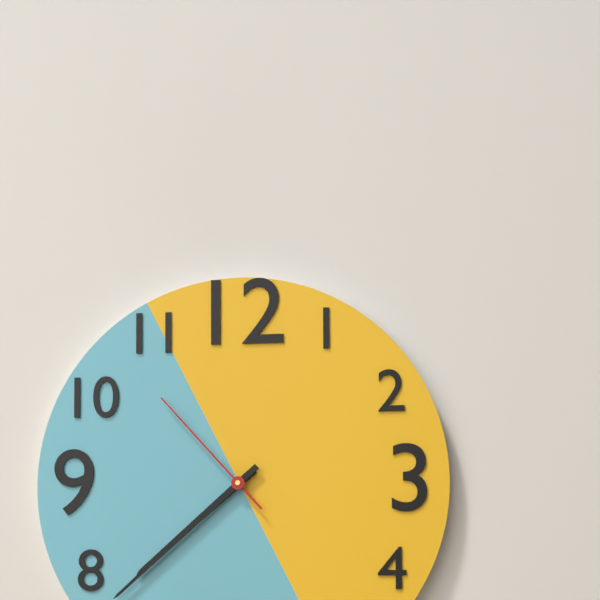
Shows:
7h38m53s
